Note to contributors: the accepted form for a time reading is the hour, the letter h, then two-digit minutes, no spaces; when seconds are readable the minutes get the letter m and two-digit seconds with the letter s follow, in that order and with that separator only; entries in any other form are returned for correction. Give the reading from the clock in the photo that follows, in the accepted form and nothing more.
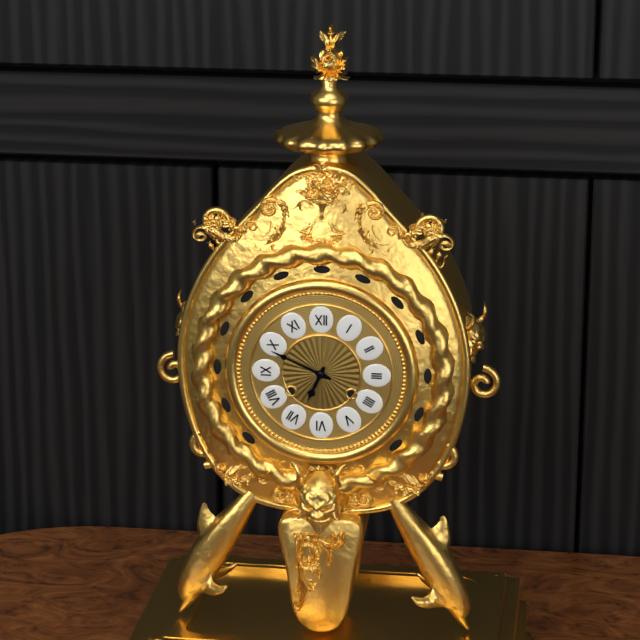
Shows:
6h49
